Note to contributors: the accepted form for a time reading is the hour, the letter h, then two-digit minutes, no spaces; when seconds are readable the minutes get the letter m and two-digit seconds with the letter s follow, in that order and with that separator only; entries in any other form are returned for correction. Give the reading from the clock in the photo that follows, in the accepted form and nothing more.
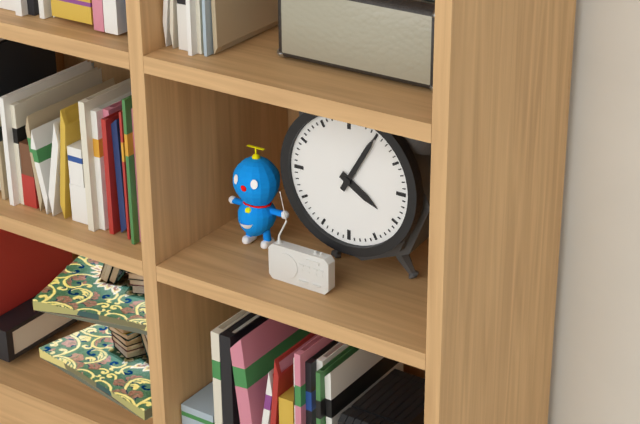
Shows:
4h05
